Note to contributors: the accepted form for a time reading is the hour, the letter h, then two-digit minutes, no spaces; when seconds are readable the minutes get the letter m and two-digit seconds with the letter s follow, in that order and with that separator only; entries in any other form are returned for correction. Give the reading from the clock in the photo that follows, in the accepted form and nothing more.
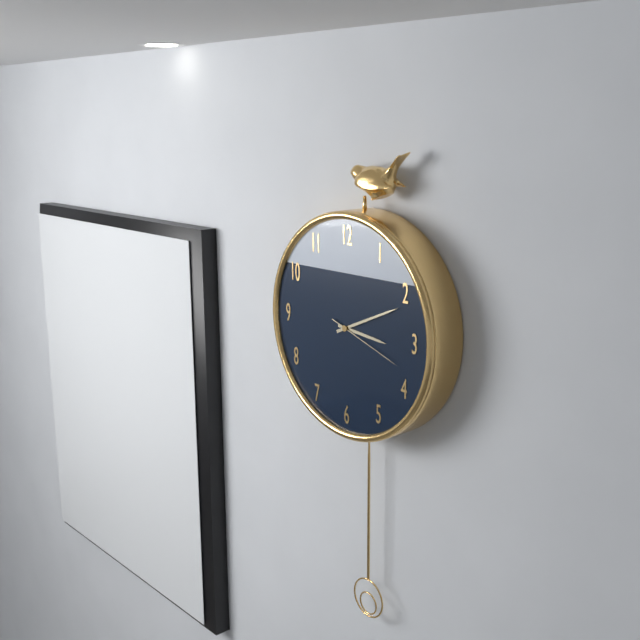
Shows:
3h11m18s
